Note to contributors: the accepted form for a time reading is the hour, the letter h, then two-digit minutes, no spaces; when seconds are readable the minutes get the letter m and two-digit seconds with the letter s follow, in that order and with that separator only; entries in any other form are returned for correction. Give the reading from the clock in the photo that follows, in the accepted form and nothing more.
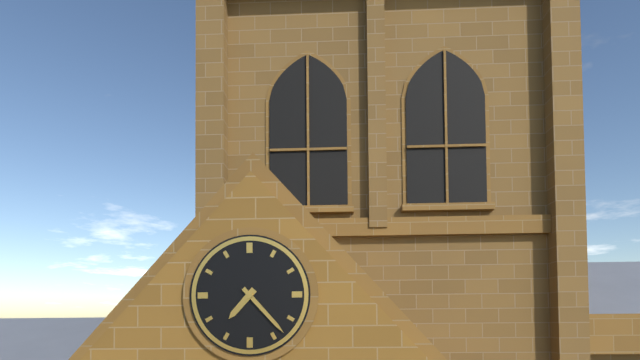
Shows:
7h23
